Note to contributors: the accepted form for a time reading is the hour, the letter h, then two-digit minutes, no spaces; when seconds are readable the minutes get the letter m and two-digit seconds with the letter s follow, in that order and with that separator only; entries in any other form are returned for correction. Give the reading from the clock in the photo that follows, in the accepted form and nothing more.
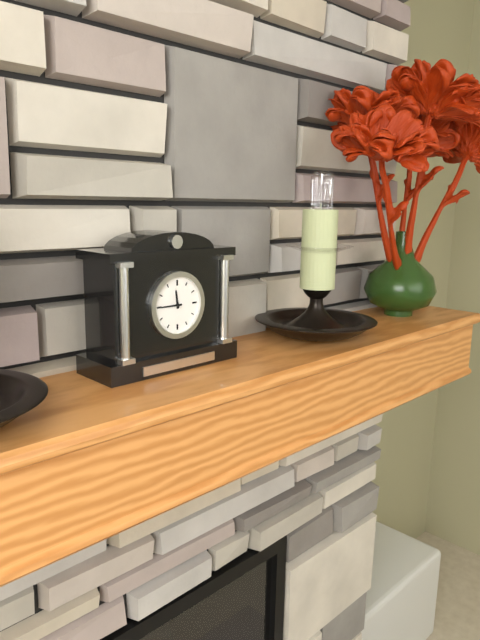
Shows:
11h45
